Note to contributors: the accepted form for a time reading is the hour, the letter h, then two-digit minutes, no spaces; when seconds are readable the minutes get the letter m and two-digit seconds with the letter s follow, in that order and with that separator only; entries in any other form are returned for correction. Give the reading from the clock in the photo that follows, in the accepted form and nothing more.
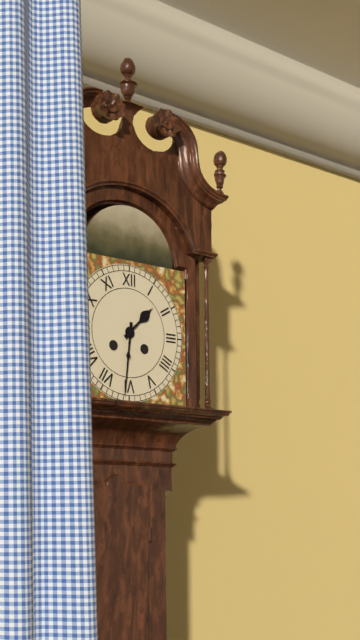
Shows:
1h31
